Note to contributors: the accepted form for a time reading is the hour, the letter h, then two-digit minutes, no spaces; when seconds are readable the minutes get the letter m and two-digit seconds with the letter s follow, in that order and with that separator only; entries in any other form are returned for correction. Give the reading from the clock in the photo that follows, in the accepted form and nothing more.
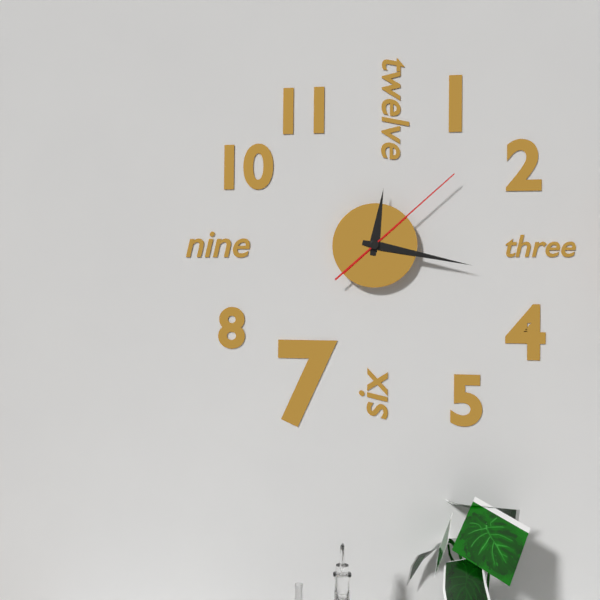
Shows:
12h17m08s
